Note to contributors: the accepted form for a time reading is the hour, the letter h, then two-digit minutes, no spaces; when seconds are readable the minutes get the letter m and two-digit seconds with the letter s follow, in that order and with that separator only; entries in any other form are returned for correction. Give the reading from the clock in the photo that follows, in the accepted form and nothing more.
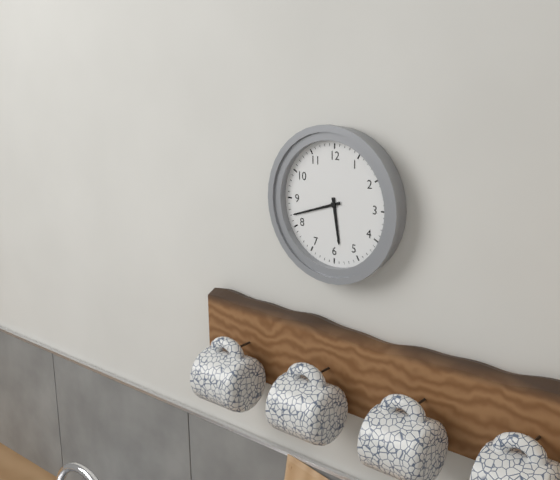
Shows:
5h42
